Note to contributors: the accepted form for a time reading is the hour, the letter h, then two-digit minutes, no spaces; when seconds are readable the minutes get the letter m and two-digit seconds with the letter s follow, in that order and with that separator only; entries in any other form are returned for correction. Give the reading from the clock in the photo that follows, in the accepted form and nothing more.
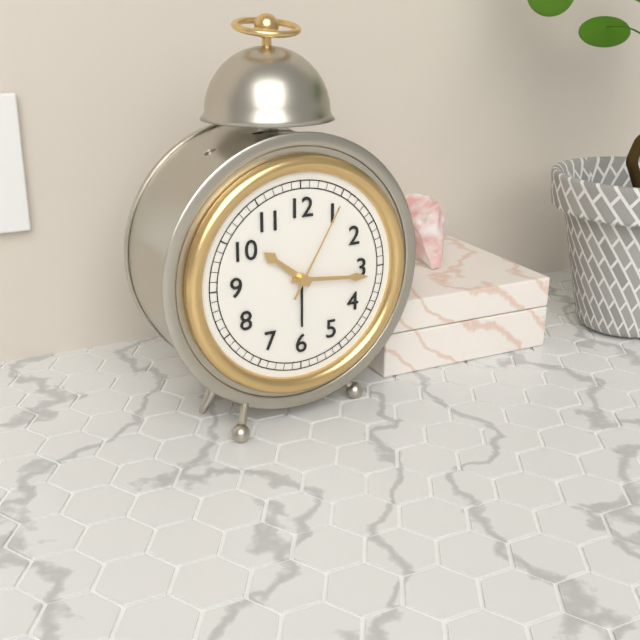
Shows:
10h16m05s
